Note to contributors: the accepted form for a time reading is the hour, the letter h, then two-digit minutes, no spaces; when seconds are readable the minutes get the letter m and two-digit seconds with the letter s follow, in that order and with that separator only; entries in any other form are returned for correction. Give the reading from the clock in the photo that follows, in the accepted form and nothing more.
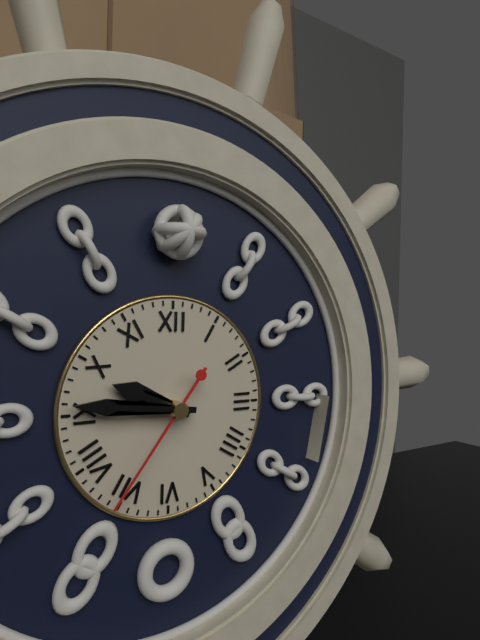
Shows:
9h46m36s
